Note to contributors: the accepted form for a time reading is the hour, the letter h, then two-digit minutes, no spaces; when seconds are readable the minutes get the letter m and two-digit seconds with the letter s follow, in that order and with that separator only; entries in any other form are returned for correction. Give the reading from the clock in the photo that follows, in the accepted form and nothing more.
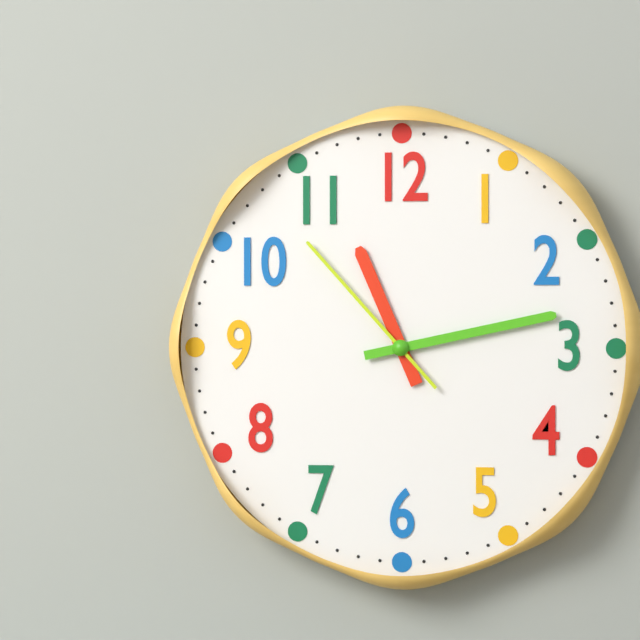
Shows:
11h13m53s
